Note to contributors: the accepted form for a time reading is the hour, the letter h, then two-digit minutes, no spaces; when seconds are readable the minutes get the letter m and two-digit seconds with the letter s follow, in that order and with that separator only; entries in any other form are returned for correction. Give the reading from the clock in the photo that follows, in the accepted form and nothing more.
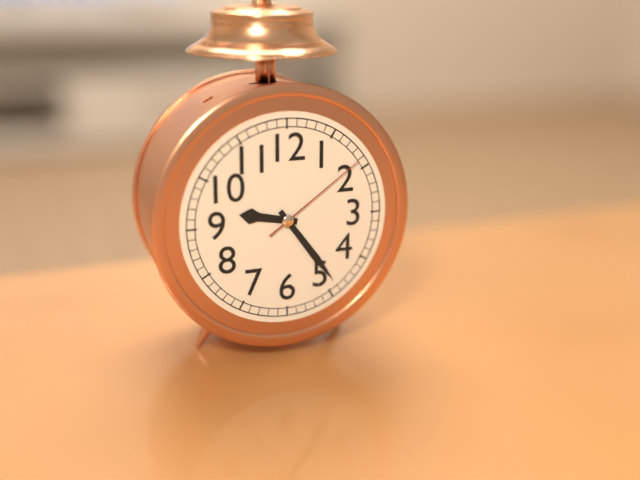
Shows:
9h24m09s
